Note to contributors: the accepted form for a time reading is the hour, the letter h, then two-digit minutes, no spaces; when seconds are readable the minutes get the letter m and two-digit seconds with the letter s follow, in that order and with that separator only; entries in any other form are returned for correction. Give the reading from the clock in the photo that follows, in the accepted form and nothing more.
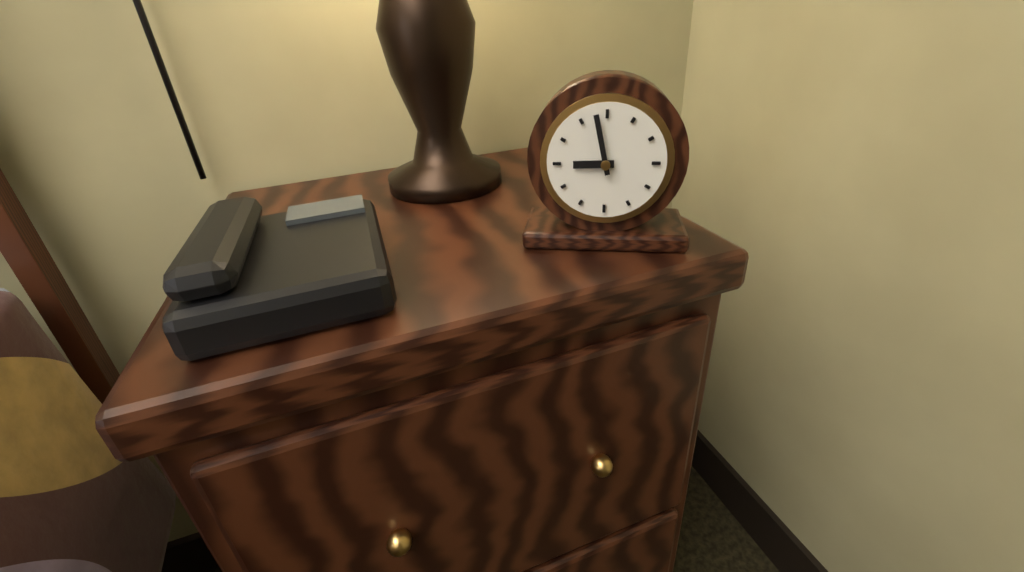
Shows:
8h58
